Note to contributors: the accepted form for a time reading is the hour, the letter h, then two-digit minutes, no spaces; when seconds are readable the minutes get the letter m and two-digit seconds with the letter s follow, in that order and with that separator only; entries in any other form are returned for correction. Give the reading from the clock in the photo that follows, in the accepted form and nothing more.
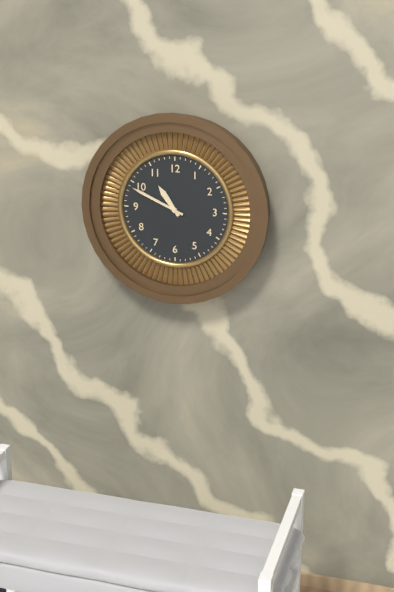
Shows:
10h49
